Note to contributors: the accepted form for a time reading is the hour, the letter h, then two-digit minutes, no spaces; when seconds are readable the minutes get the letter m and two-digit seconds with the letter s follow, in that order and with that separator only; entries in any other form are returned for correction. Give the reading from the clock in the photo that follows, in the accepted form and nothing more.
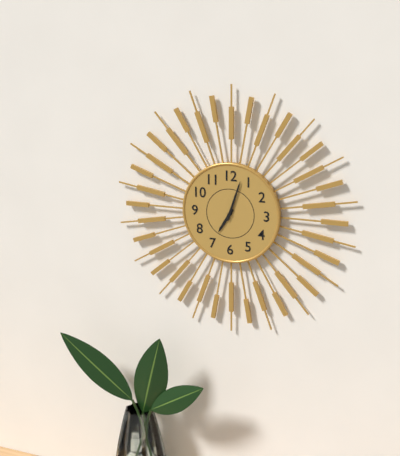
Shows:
7h03
